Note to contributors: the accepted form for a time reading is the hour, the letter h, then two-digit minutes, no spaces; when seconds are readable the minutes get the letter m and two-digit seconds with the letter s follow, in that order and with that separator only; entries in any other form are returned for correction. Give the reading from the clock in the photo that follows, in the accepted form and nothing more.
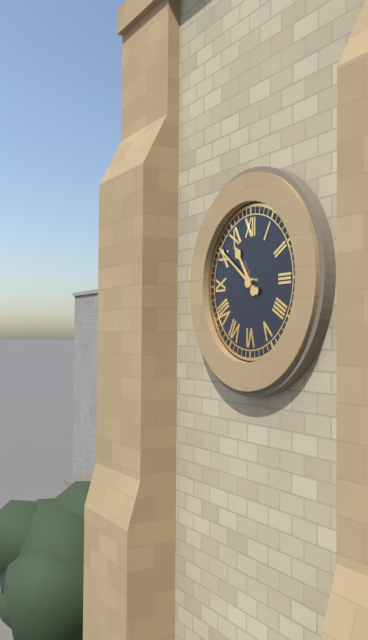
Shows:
10h51
